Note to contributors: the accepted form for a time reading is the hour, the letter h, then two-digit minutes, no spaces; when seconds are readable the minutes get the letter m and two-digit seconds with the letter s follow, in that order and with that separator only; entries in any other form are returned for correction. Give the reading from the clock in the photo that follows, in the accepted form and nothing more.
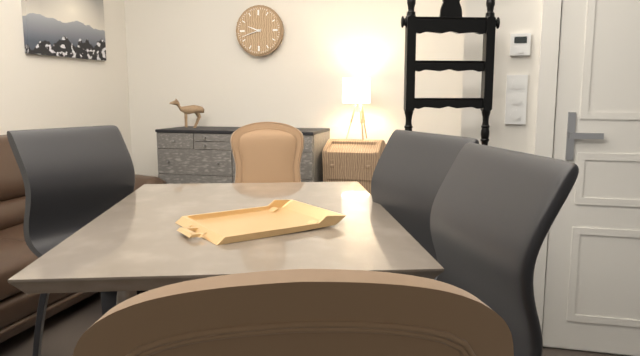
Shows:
9h42
